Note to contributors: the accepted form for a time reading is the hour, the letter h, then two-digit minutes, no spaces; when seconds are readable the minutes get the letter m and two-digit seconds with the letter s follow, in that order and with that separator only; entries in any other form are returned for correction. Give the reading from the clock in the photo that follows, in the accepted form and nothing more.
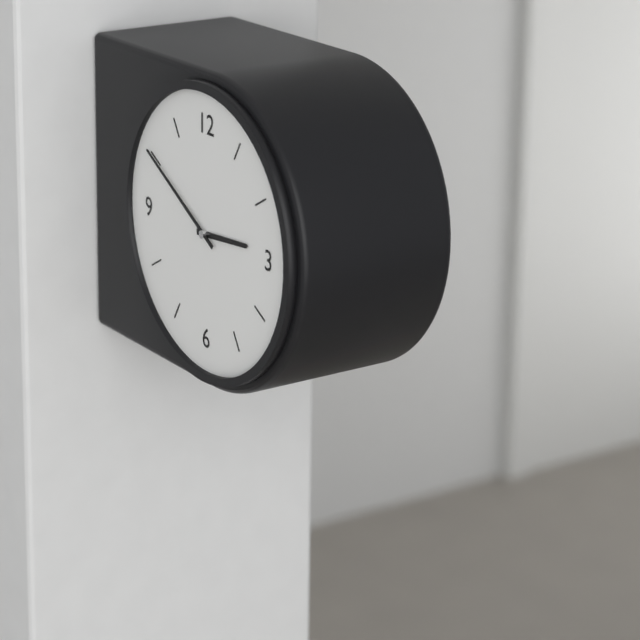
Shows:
2h50
